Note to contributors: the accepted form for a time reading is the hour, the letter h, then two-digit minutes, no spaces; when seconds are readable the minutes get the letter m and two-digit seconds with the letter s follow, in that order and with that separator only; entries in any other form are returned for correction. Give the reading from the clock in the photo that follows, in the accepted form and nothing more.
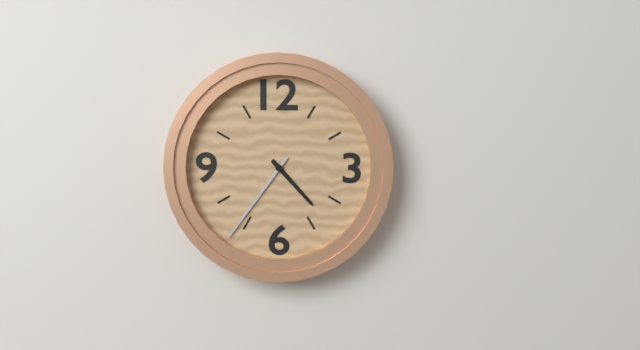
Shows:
4h36
